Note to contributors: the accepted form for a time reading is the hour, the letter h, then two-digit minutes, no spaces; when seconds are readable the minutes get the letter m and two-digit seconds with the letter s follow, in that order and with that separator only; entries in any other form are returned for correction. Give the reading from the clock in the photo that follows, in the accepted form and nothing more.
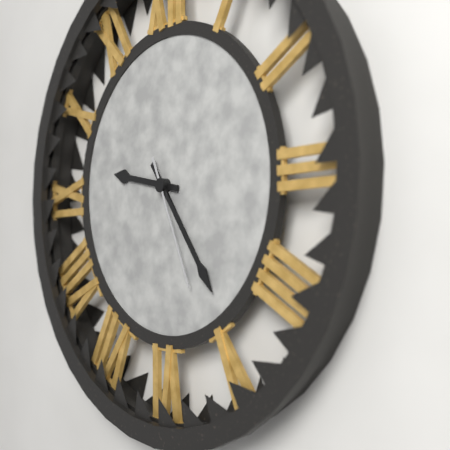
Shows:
9h24m26s
